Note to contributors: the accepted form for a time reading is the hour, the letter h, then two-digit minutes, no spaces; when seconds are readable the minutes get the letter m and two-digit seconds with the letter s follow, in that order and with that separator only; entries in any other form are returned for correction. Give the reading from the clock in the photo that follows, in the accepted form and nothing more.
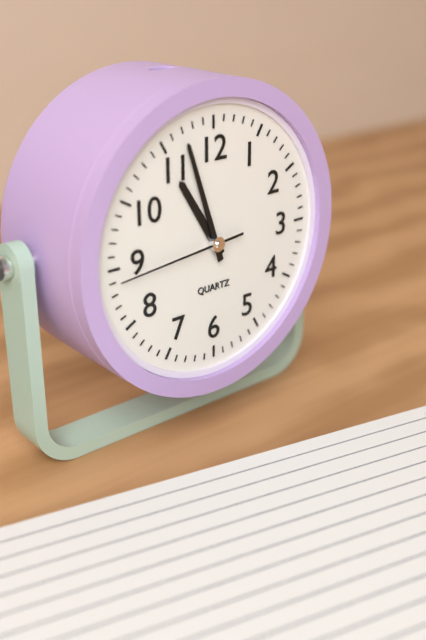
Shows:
10h57m44s
